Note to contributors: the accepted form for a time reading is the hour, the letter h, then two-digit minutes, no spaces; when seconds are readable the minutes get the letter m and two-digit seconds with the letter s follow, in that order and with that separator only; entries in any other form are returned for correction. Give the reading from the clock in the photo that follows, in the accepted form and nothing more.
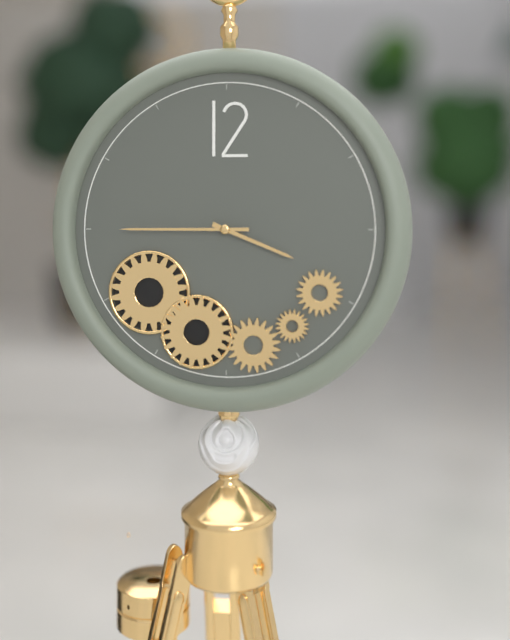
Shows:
3h45
